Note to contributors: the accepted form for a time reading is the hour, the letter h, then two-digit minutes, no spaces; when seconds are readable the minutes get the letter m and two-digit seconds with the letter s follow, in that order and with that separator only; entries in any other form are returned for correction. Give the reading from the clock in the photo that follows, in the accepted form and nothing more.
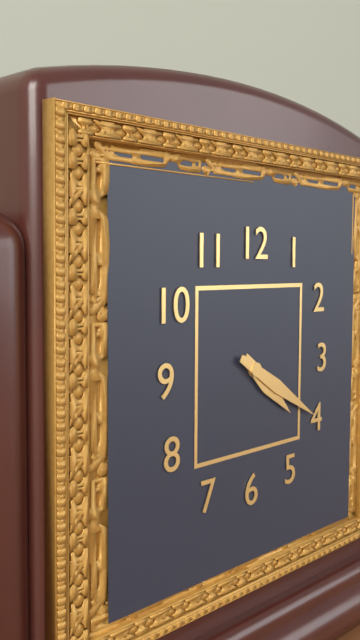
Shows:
4h20
